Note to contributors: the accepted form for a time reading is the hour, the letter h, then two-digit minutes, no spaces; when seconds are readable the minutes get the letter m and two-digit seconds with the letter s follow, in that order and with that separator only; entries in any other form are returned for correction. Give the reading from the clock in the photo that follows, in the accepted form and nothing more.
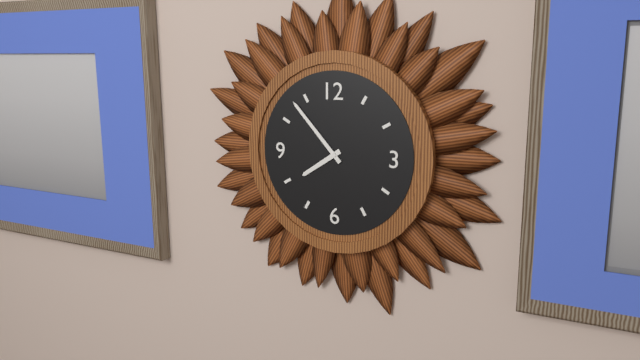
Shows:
7h53
